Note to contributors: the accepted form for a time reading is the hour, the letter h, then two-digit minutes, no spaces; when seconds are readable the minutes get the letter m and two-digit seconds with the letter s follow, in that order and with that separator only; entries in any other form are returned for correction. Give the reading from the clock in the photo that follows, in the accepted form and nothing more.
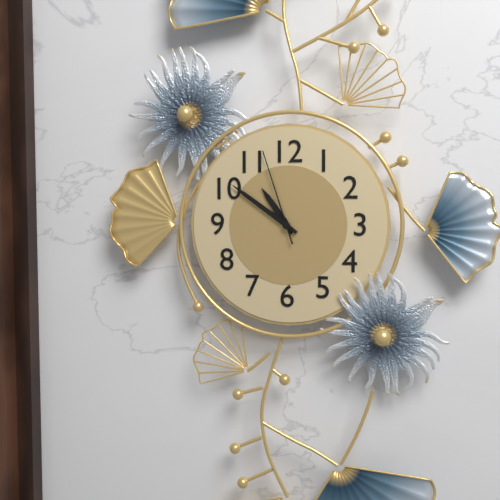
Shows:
10h51m57s
